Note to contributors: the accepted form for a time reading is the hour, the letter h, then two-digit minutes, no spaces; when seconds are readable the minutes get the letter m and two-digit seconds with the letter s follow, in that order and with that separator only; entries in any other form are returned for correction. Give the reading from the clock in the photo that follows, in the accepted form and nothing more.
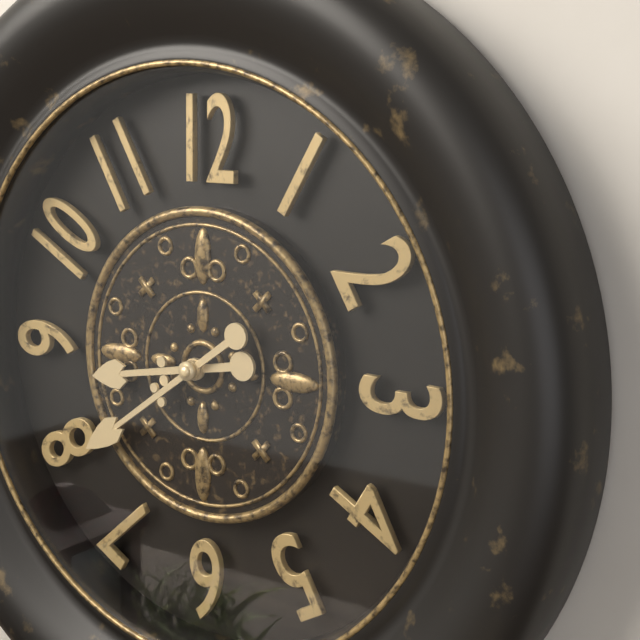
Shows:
8h39
